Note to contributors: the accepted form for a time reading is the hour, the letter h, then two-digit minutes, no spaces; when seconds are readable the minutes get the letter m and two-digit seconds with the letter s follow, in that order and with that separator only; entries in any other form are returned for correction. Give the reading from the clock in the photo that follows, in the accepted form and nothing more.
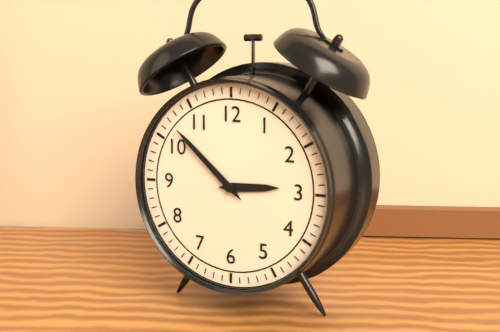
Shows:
2h52
